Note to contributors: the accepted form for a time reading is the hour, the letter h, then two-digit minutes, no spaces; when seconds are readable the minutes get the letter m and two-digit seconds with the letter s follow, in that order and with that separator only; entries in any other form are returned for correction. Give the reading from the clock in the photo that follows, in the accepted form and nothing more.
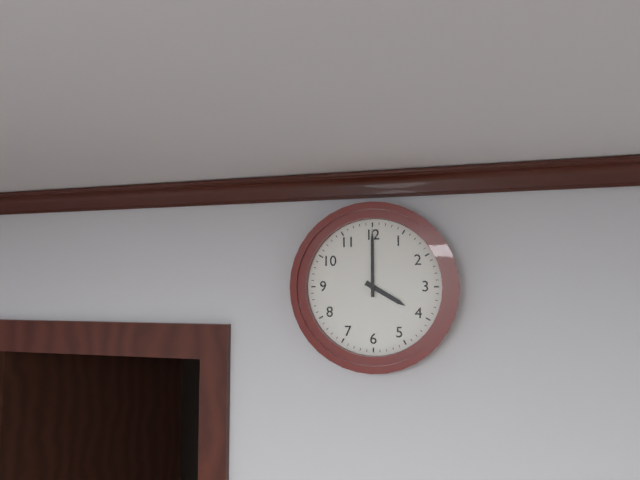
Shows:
4h00
